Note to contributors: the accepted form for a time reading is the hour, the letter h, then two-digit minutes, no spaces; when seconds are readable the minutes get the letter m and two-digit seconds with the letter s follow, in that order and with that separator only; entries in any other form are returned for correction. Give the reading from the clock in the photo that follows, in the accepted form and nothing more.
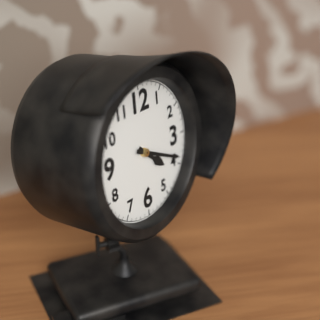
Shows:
4h19
